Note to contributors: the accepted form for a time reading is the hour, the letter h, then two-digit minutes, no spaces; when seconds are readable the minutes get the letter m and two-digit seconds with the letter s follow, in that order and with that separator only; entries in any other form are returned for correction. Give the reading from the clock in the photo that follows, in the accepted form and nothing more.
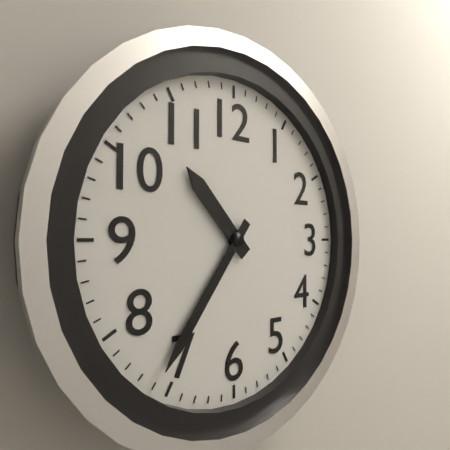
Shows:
10h36
